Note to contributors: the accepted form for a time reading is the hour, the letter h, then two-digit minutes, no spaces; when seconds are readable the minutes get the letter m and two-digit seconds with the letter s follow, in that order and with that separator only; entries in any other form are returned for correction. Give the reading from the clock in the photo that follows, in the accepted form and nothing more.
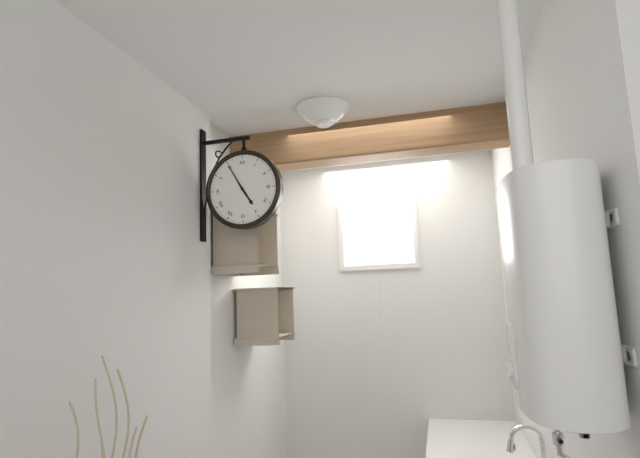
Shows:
4h55
